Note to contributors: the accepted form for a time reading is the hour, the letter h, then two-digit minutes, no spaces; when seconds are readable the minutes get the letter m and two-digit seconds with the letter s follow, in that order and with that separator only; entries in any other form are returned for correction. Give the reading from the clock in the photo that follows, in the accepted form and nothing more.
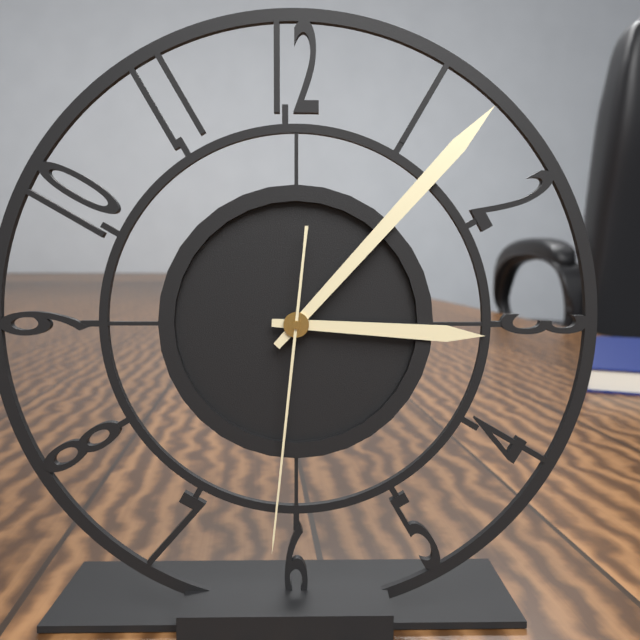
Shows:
3h07m31s
